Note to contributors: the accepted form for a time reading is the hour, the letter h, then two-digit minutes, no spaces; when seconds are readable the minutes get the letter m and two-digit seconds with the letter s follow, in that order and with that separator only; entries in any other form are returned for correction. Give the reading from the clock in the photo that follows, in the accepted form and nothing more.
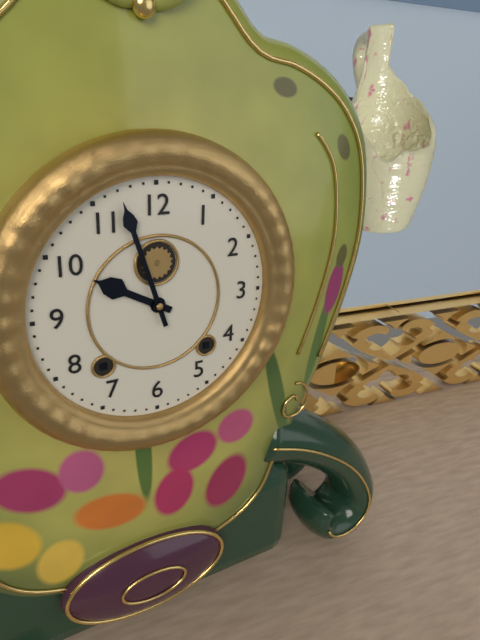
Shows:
9h57
